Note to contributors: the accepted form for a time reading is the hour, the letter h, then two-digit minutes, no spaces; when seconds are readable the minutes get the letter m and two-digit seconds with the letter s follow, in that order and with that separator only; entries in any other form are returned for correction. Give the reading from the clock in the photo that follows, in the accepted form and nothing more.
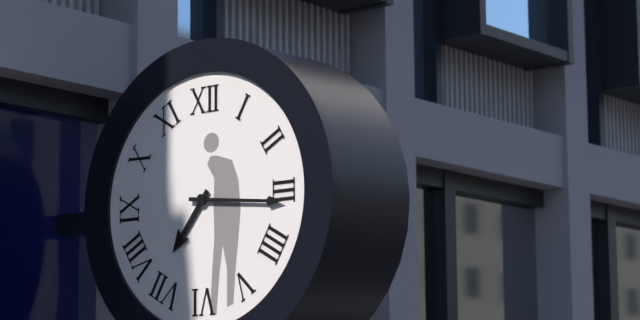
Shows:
7h16
